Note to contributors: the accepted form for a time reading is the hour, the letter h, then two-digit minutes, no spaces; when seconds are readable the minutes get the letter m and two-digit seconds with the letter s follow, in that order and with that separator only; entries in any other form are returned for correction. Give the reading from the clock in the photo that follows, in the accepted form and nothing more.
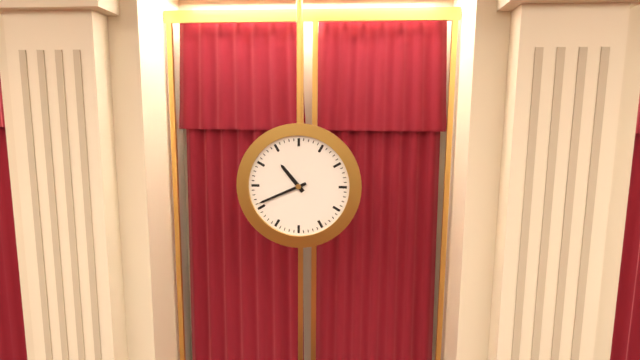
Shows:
10h41
